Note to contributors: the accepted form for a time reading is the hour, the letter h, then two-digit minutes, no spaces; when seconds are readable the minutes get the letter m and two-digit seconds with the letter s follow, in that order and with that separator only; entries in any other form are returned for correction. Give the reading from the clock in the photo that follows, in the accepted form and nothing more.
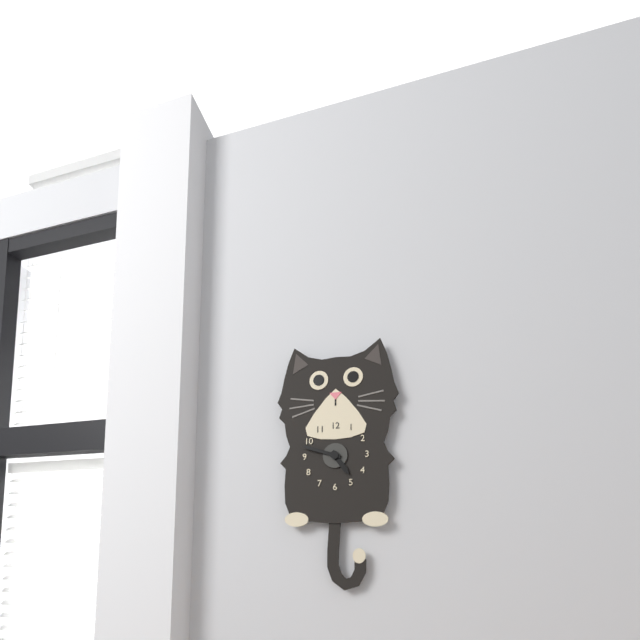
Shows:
4h48
